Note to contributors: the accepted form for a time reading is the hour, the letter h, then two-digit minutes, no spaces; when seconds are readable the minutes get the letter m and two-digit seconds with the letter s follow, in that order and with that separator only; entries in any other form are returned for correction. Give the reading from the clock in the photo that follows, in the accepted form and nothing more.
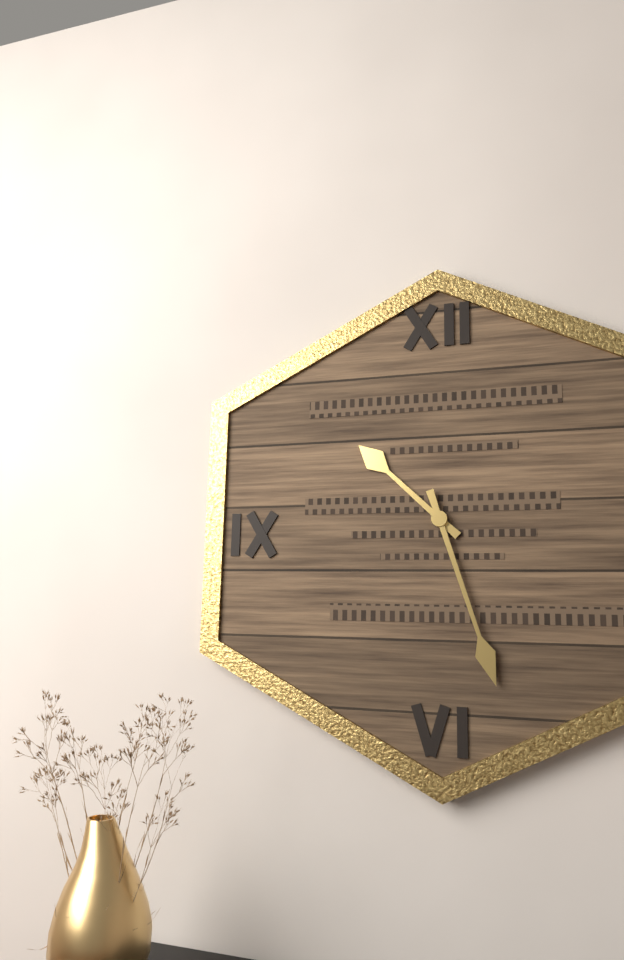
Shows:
10h27
